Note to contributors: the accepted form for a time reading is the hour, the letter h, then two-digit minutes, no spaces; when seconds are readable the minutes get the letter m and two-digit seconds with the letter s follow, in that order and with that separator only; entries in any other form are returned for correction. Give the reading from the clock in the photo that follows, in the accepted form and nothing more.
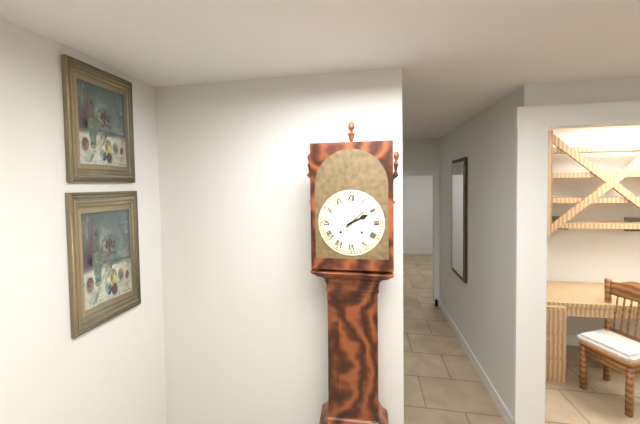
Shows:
2h08
